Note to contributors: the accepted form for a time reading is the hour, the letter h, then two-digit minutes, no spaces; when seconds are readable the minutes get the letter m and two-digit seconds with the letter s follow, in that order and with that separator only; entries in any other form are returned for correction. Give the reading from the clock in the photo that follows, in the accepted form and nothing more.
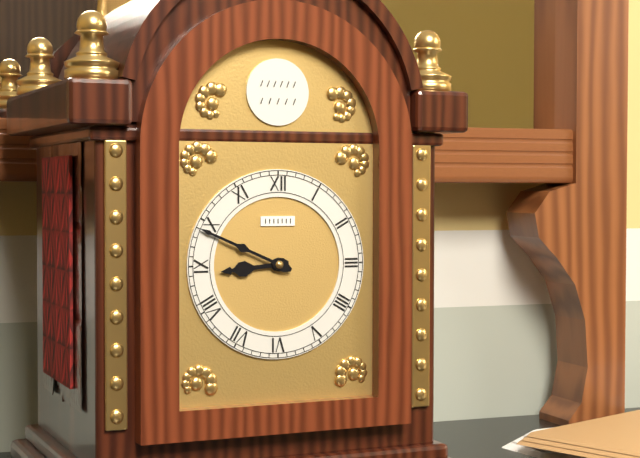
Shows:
8h49
